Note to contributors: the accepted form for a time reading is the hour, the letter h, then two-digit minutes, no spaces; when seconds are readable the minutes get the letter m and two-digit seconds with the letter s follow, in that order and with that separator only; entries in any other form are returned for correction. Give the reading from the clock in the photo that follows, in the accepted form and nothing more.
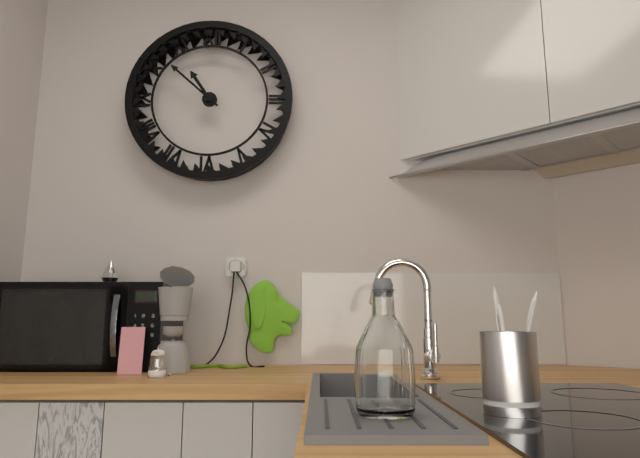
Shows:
10h52
